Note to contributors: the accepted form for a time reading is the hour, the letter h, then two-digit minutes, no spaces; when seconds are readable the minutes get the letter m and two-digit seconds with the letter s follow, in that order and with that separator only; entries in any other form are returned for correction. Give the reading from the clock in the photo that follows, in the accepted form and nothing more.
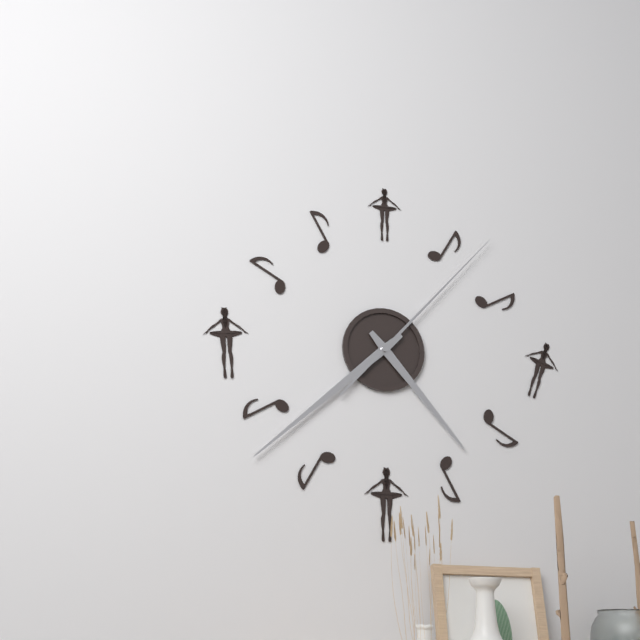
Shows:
4h38m07s
